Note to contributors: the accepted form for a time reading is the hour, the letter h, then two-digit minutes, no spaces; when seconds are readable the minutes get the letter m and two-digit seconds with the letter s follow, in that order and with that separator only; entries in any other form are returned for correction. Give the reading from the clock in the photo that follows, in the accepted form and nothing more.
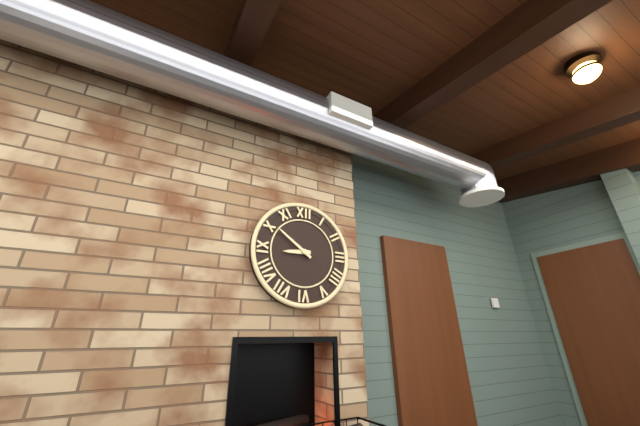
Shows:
8h51
